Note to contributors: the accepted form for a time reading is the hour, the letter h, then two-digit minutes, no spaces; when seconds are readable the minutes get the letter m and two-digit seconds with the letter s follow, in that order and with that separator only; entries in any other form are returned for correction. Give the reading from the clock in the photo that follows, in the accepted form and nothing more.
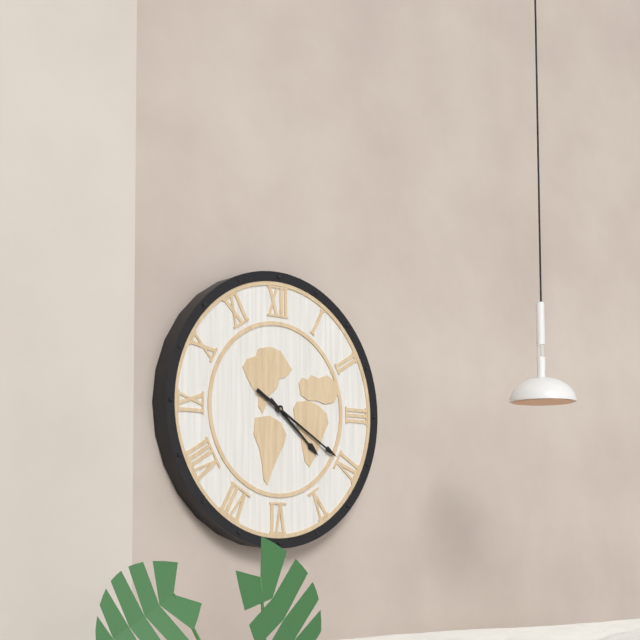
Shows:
4h20
